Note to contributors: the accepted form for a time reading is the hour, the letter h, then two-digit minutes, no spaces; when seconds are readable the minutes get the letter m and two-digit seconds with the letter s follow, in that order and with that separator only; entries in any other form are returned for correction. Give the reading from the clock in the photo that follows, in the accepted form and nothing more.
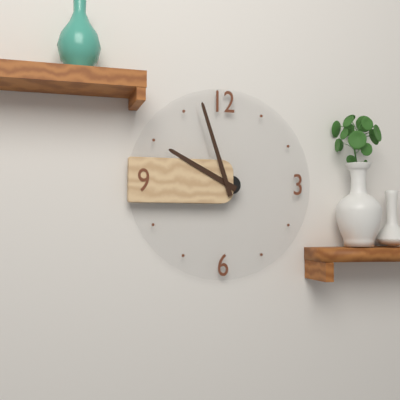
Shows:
9h57
